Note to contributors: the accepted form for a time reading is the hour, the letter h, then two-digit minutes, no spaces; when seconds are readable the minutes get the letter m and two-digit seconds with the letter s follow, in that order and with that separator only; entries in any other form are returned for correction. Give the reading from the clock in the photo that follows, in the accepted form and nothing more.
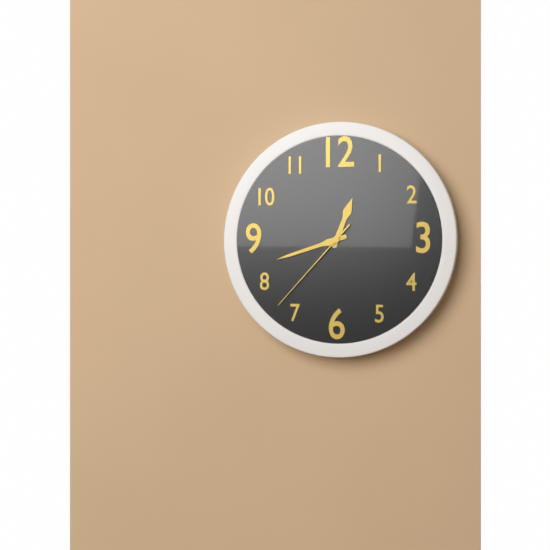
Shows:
12h42m37s
